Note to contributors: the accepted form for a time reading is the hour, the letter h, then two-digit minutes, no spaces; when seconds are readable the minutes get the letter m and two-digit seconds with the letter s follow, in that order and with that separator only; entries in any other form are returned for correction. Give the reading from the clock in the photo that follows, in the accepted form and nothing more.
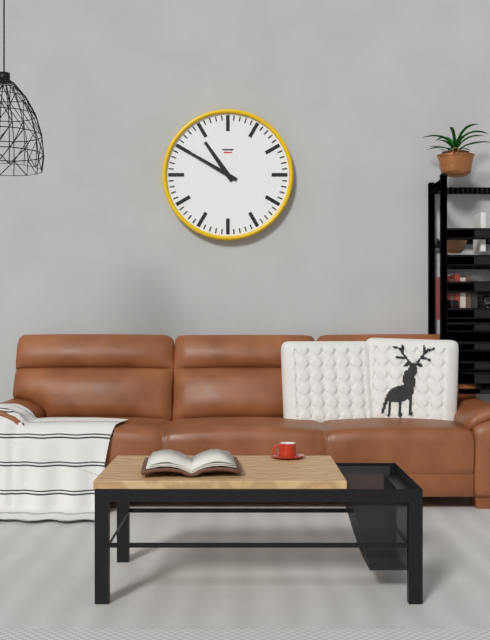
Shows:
10h50
